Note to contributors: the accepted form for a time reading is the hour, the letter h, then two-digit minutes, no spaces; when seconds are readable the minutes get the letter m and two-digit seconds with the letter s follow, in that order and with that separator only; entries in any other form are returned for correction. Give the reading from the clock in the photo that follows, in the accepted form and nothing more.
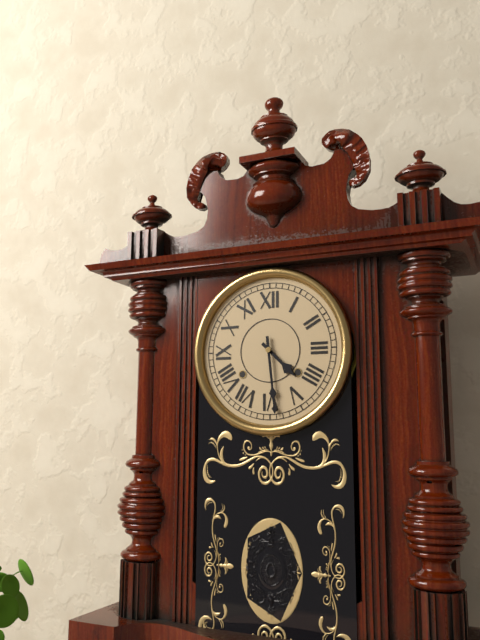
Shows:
4h29
